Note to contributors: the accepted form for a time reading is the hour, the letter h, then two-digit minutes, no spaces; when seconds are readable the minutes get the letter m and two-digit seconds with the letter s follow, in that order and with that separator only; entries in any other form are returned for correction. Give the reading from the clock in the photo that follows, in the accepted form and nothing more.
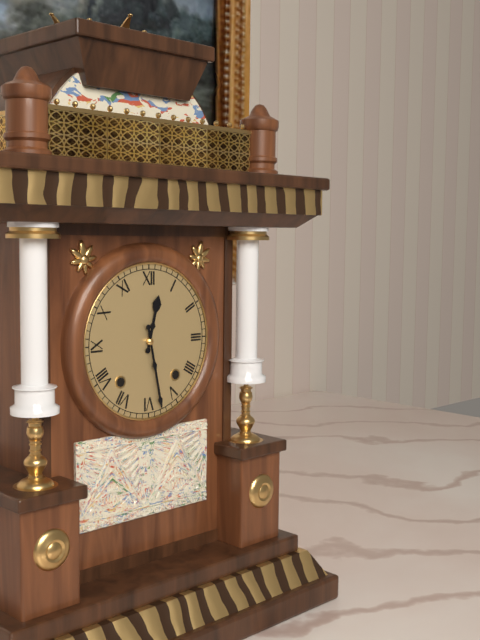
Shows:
12h28
